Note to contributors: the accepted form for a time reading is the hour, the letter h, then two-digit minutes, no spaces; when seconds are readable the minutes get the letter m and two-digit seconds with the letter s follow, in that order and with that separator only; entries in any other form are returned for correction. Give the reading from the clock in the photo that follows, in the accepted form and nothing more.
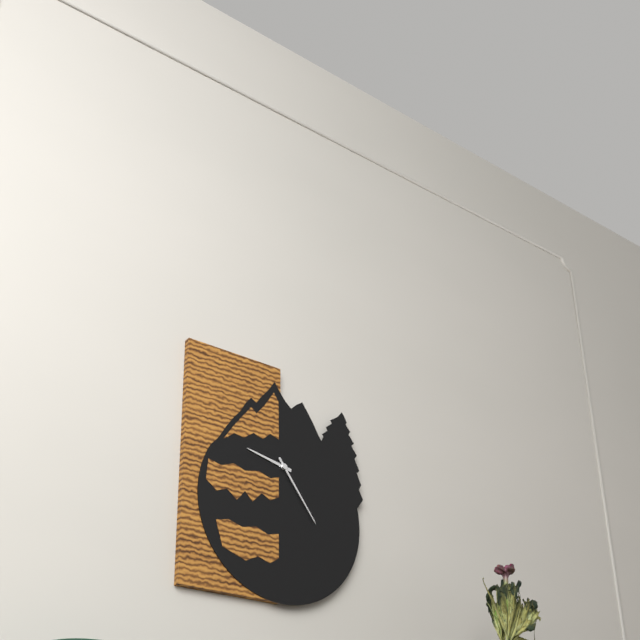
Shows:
9h24
